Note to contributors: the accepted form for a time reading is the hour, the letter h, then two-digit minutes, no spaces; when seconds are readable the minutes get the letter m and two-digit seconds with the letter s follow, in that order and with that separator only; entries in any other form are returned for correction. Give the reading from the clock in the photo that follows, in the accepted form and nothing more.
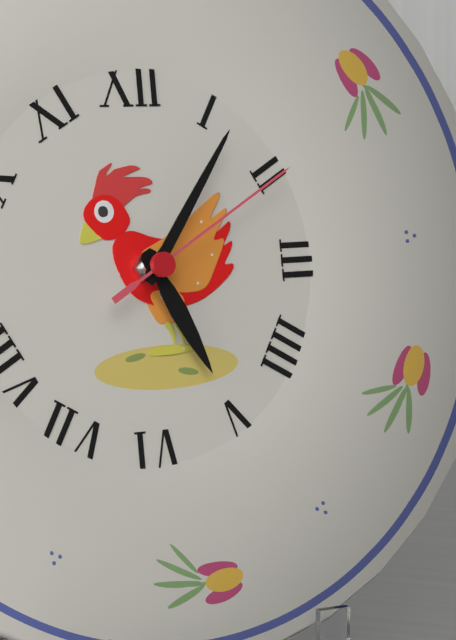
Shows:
5h06m10s
